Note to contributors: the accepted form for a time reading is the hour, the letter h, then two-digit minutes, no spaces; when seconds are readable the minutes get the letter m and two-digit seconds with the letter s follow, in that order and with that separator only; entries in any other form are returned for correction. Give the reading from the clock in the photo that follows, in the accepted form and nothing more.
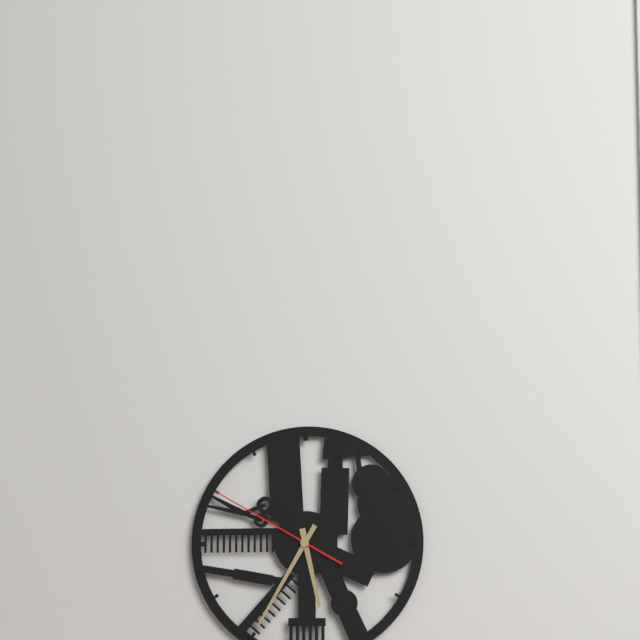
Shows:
5h35m50s
